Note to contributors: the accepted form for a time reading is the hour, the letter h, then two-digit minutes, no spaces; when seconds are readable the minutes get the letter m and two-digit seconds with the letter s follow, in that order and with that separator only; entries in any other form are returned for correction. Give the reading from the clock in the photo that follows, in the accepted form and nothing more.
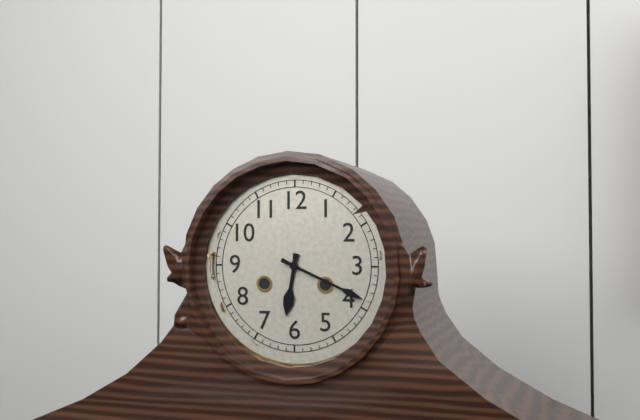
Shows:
6h19
